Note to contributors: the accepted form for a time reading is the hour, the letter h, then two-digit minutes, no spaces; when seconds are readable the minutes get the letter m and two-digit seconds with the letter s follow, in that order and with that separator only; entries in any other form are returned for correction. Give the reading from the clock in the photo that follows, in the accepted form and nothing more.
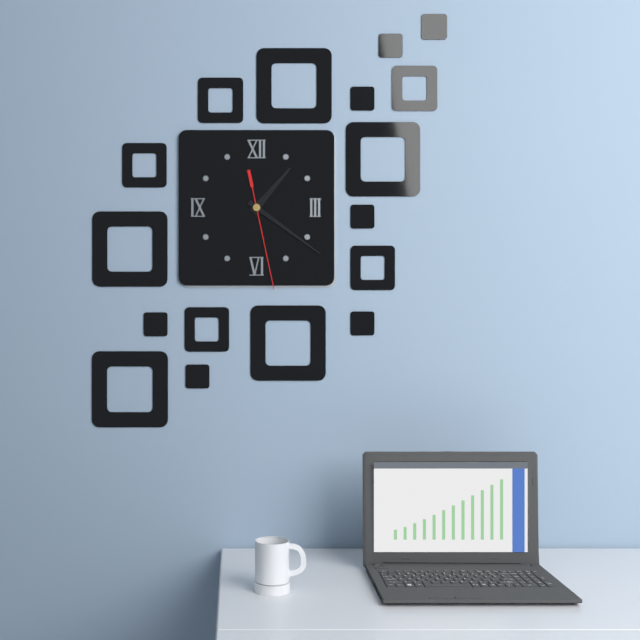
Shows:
1h21m28s
